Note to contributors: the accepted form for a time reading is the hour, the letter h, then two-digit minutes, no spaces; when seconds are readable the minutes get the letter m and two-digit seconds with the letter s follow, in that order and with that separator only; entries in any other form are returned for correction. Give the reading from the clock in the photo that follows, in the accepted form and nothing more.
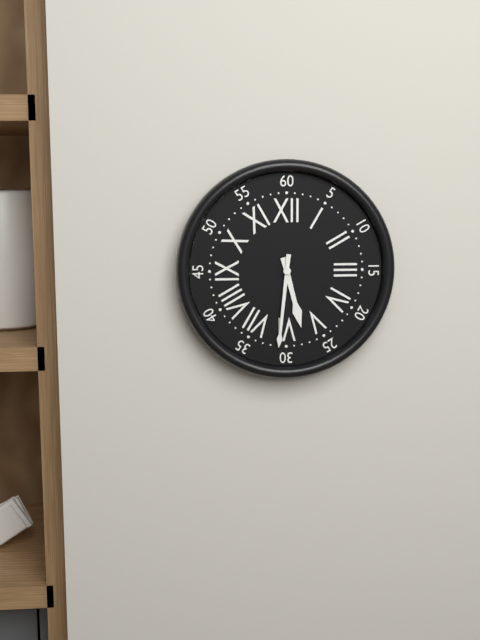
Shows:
5h31
